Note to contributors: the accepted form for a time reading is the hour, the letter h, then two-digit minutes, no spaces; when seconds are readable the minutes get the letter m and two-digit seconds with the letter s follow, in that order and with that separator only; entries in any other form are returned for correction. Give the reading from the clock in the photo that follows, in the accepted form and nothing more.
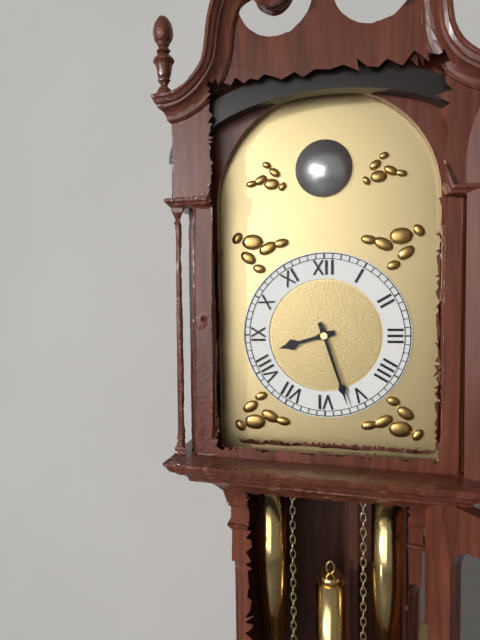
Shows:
8h27
